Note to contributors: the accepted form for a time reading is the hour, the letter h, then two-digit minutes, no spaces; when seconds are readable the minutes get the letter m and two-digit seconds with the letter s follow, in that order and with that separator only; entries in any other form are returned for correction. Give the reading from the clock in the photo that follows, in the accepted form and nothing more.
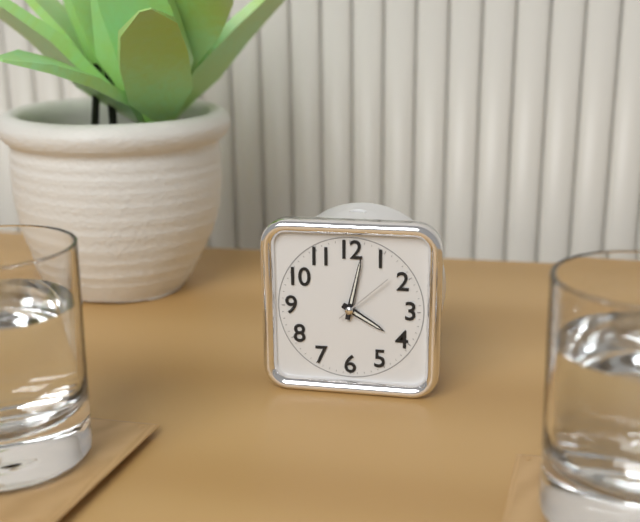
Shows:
4h02m08s
